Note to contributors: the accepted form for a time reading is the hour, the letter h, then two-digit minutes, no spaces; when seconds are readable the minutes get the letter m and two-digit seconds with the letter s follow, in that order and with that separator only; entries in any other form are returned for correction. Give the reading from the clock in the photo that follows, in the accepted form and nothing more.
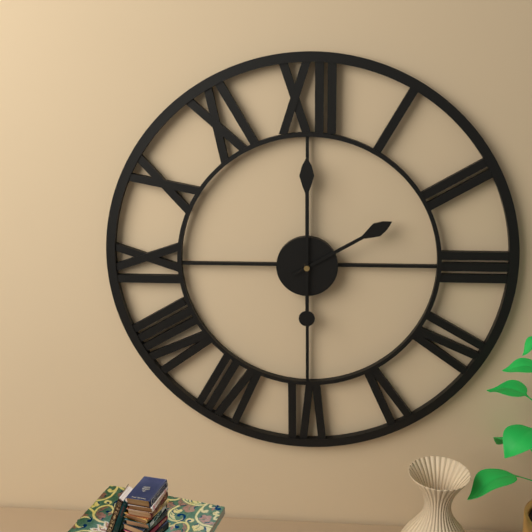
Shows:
2h00
